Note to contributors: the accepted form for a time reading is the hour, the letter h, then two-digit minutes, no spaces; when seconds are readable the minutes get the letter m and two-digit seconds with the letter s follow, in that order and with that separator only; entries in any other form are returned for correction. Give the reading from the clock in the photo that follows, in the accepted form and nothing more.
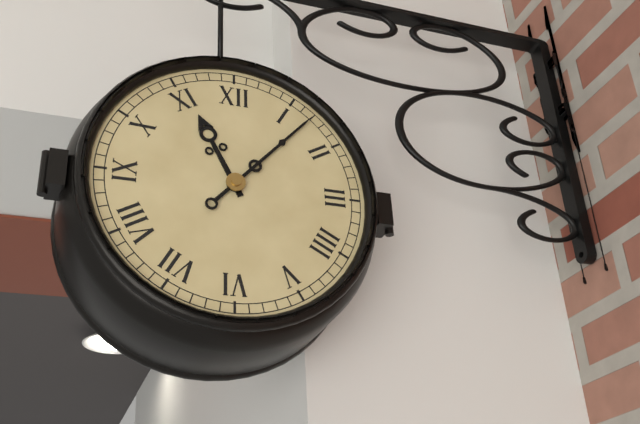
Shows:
11h07
